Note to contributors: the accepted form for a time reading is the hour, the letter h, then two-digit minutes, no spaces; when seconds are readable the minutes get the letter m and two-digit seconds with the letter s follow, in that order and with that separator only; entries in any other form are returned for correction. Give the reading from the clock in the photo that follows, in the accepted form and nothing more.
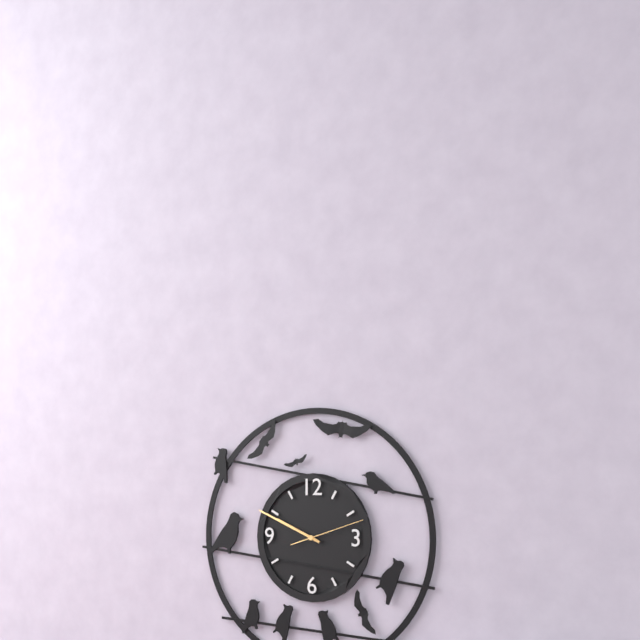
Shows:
9h49m12s
